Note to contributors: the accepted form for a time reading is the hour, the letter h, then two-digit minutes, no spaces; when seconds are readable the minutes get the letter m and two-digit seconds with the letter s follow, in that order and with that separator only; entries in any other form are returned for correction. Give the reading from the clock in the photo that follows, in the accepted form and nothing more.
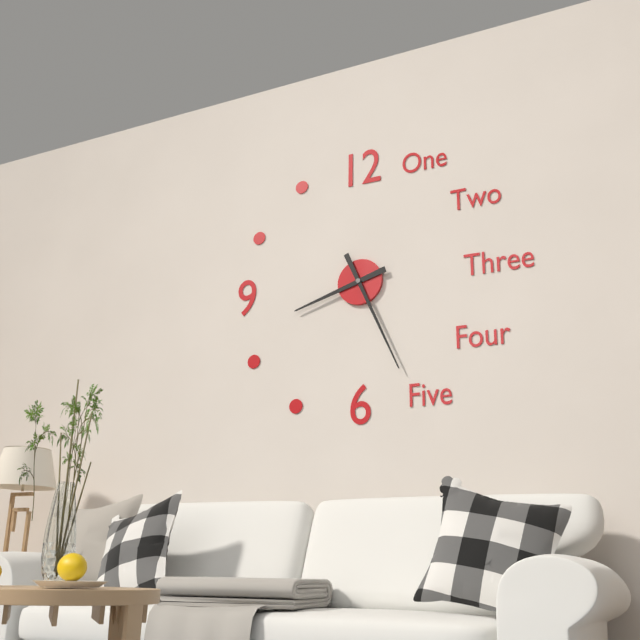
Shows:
8h26
